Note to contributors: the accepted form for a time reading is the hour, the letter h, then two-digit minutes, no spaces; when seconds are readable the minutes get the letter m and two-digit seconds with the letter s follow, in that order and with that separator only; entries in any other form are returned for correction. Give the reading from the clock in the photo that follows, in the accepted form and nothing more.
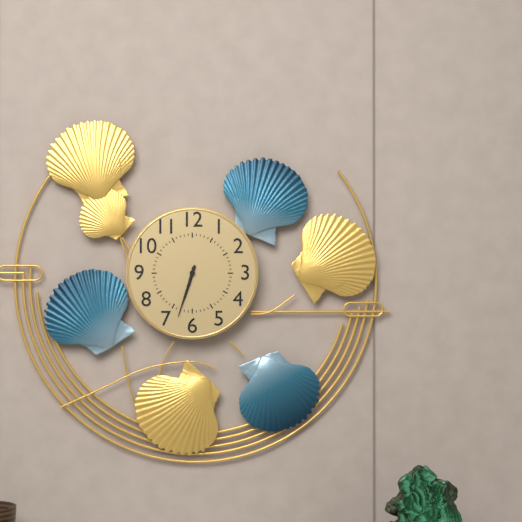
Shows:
6h33
